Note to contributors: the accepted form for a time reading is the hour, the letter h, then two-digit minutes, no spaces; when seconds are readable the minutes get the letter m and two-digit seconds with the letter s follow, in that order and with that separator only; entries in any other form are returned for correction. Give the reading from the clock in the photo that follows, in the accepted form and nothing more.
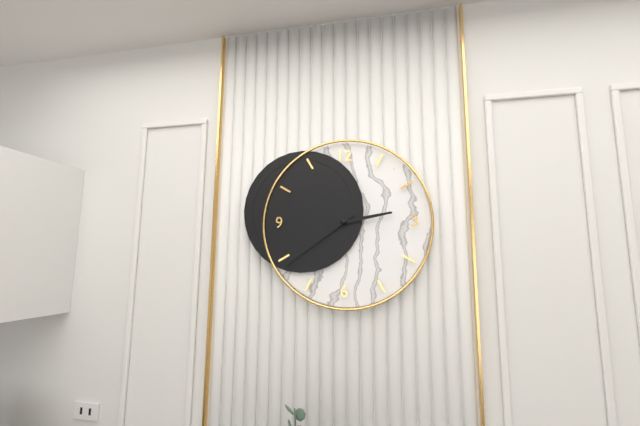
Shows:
2h39
